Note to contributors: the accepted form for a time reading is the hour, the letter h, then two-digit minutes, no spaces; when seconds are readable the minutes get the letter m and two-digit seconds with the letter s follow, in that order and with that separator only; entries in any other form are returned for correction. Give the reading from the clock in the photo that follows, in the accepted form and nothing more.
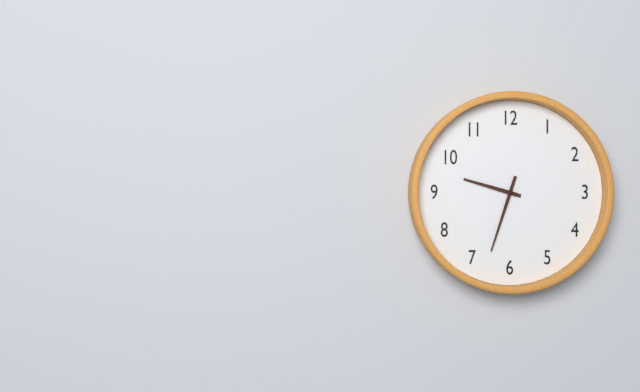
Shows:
9h33
